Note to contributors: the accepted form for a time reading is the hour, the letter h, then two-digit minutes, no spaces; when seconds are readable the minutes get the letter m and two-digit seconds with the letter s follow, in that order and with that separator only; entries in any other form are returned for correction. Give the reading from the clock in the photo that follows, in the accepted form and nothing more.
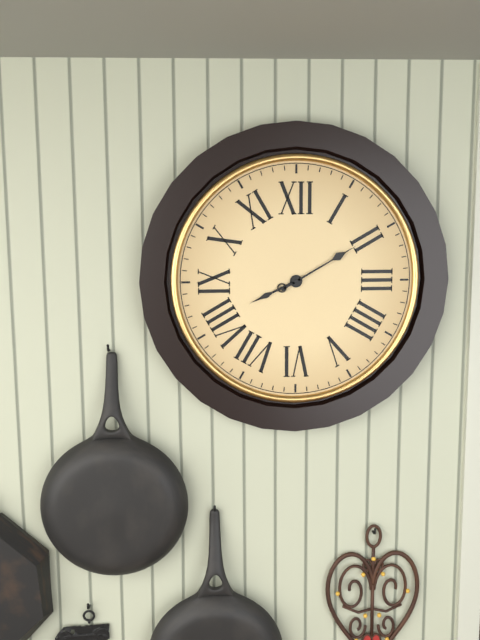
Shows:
8h10
